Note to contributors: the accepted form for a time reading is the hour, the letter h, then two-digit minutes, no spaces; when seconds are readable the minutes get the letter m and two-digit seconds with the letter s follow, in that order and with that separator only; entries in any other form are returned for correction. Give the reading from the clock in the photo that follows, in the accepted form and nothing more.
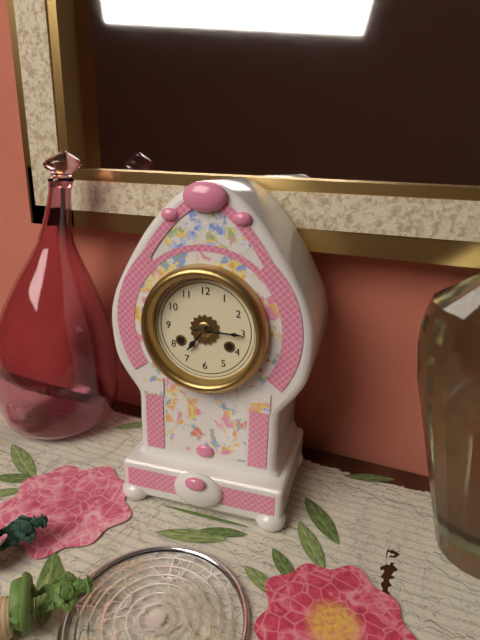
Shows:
7h15
